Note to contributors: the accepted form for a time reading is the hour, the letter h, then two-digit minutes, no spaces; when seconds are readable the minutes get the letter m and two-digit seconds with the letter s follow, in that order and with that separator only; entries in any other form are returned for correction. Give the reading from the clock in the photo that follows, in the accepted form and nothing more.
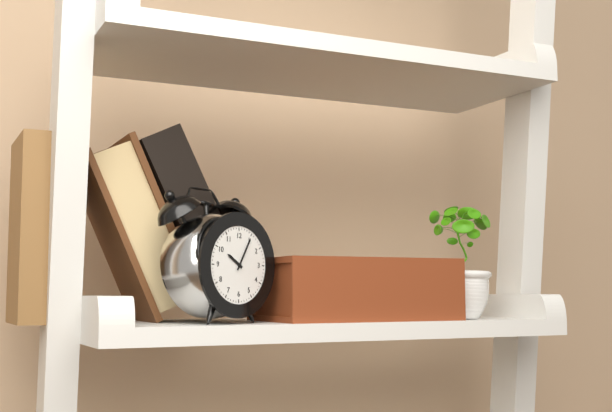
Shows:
10h05
